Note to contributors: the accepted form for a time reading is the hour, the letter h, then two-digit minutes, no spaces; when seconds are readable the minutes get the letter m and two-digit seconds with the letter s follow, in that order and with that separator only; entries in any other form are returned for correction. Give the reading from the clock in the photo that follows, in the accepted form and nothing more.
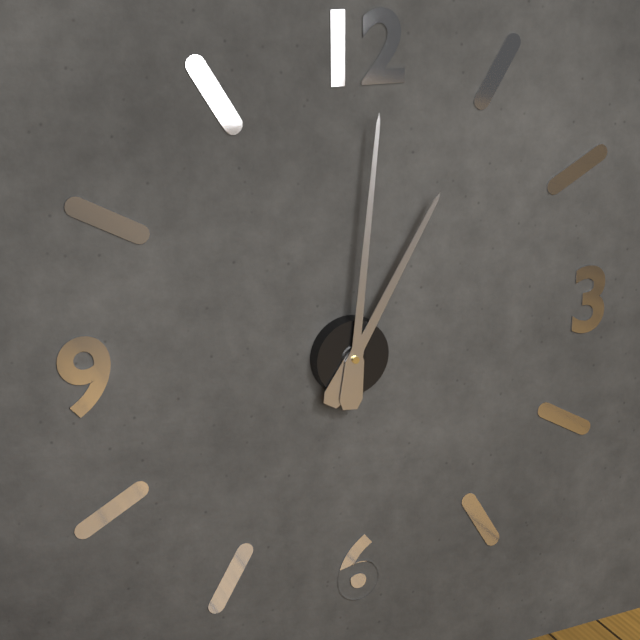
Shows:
1h01
